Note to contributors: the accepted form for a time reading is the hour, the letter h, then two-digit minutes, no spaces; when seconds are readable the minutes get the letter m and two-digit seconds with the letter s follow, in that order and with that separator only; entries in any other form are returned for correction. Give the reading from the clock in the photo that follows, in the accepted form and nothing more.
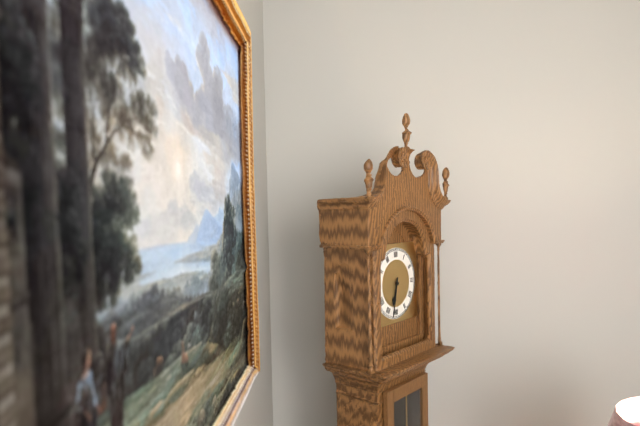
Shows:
6h32
